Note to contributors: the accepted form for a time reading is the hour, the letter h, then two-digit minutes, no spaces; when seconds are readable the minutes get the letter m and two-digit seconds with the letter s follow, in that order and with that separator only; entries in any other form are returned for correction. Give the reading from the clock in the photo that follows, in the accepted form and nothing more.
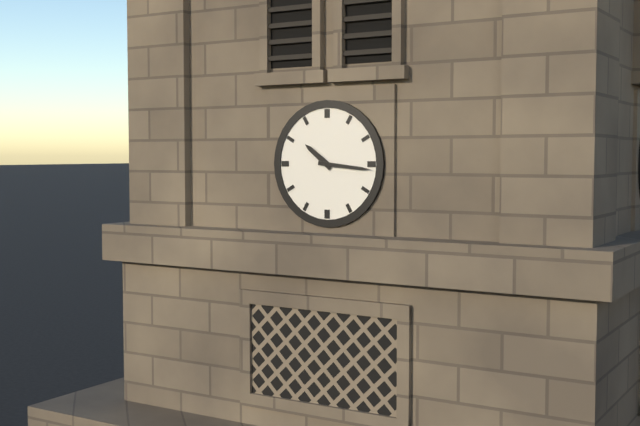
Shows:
10h16
